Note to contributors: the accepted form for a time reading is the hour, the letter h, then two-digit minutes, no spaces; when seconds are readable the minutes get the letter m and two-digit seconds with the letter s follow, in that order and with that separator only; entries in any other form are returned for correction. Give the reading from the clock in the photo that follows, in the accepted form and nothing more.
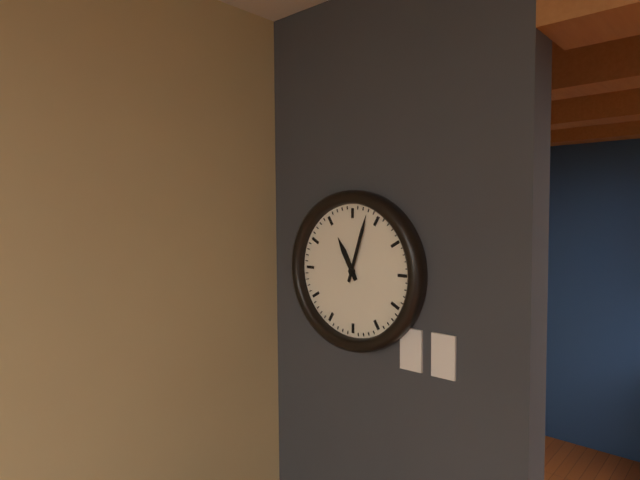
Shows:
11h03
